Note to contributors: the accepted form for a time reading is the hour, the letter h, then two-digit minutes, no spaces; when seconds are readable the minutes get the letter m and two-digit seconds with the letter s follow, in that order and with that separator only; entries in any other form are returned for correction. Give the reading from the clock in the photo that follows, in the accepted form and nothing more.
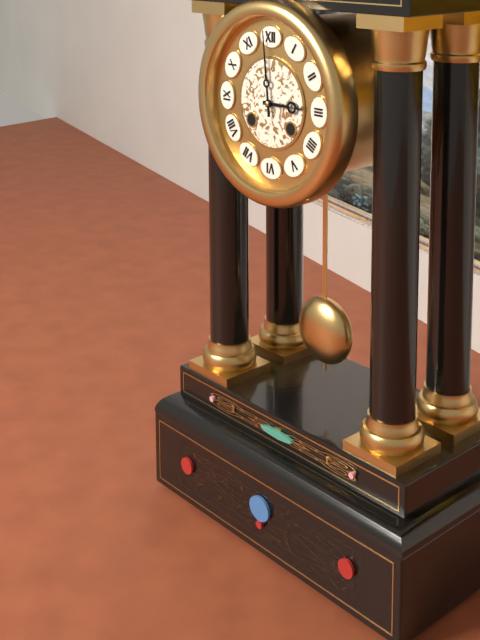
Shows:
2h59
